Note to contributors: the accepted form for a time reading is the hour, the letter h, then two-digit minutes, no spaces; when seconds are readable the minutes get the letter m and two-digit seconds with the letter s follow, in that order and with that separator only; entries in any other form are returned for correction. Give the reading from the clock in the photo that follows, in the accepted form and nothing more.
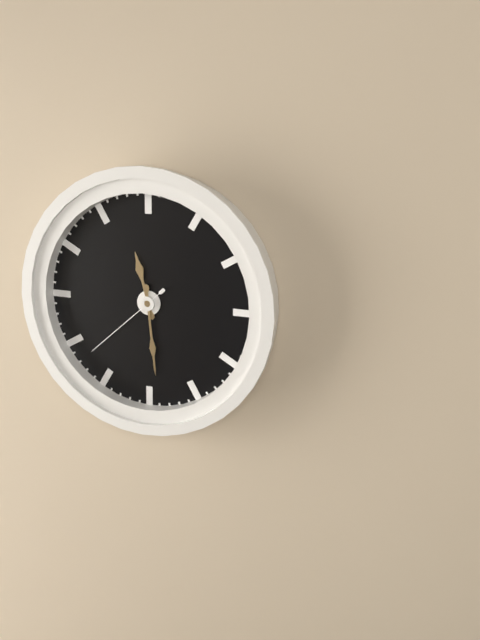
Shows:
11h29m38s
